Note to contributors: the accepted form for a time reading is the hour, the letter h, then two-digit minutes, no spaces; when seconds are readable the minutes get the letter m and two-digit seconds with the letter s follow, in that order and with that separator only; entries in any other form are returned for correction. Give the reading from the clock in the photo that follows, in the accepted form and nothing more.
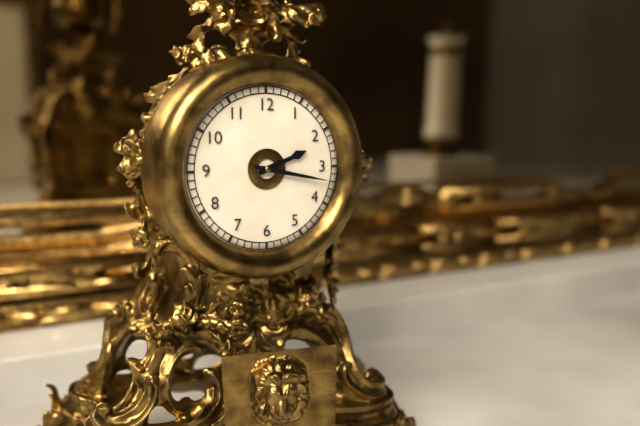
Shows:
2h17
